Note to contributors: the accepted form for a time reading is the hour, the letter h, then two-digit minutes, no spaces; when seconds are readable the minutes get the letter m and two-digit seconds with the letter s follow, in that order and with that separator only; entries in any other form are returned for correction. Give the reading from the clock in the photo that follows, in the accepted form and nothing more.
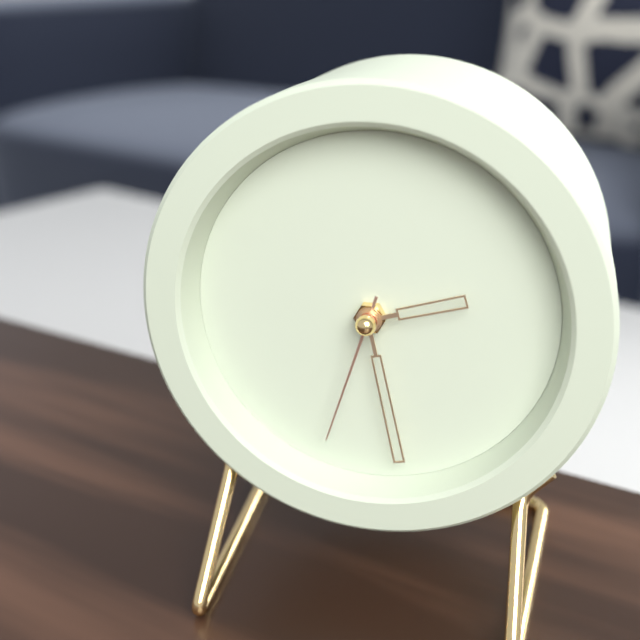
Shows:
2h28m33s
